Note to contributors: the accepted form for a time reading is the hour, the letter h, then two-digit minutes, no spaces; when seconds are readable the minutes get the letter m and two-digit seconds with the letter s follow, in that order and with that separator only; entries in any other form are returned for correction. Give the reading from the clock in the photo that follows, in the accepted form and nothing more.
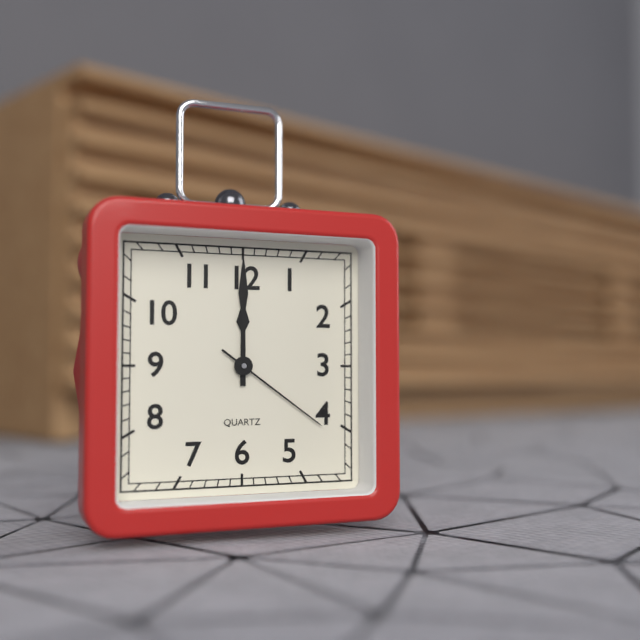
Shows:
12h00m21s
